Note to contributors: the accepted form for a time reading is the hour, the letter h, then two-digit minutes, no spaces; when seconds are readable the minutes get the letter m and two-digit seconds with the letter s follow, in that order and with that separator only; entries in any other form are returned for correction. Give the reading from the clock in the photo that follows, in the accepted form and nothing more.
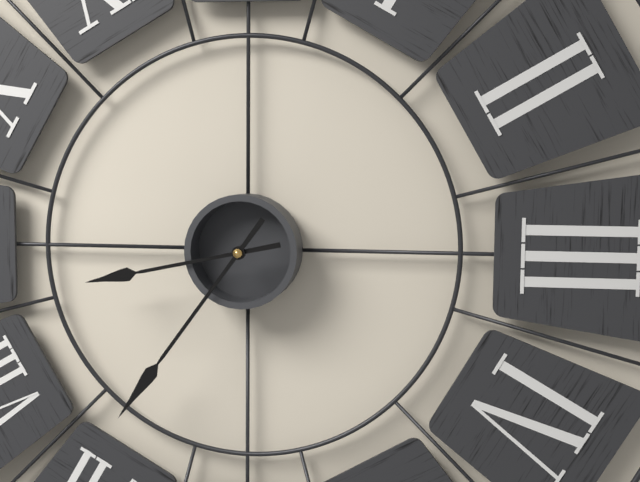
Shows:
8h36
